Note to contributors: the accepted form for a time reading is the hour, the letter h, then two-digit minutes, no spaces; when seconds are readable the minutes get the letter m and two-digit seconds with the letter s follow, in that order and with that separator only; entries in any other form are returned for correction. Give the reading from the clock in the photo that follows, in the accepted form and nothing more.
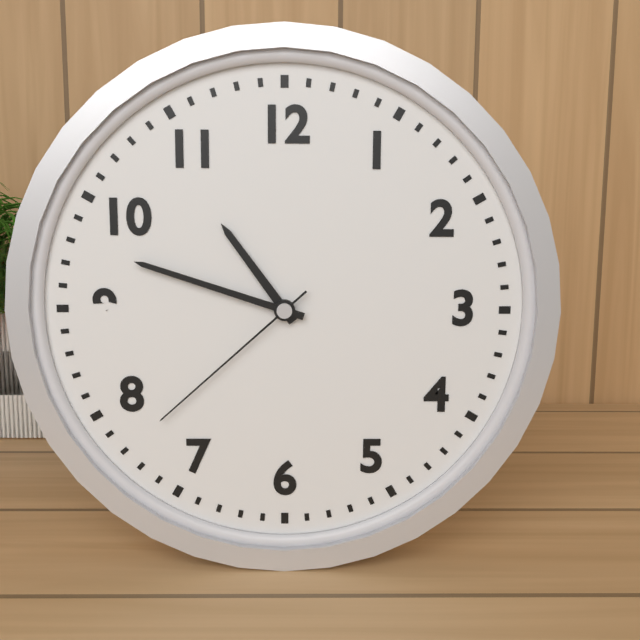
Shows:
10h48m38s
